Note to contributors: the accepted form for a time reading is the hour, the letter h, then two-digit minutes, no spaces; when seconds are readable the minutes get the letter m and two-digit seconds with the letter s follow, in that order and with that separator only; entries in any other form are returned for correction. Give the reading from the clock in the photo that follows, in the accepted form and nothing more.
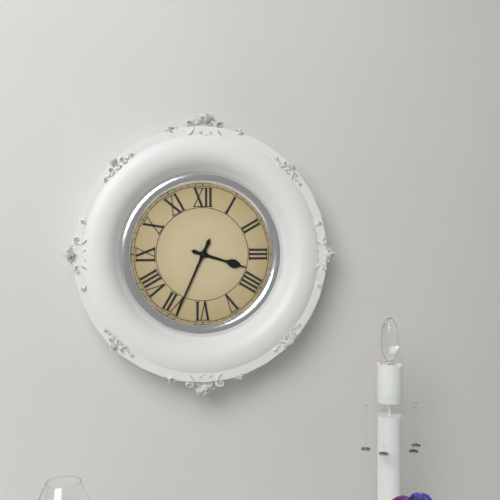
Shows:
3h34
